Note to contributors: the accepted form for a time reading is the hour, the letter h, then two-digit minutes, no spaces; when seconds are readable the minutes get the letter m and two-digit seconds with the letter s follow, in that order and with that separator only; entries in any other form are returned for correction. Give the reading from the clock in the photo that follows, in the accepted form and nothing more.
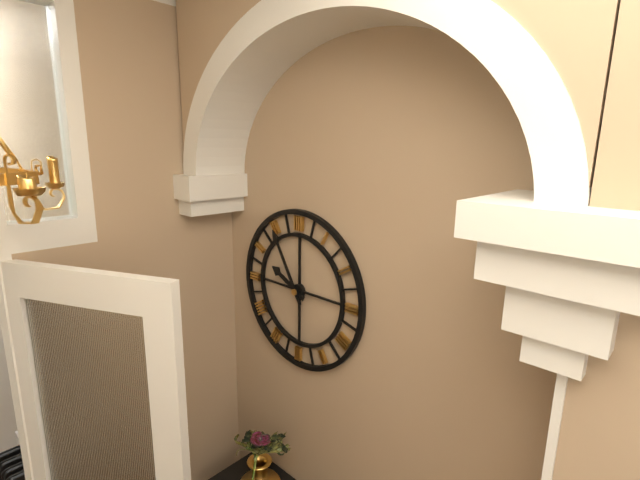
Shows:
9h55
